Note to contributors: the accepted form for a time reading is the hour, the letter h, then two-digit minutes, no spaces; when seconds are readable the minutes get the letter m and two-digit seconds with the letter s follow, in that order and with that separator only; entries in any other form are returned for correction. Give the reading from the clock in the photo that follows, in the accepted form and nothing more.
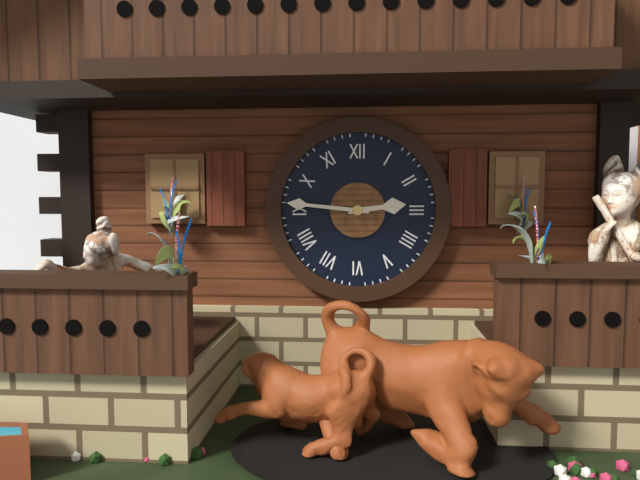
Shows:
2h46
